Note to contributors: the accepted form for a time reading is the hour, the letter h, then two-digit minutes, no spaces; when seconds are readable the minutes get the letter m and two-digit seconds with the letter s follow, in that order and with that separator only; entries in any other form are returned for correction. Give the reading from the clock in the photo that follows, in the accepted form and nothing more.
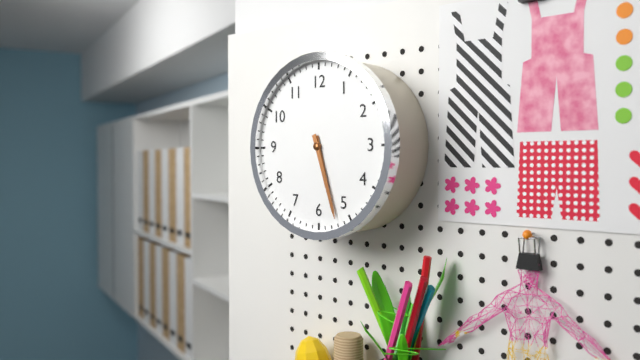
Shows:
5h27
